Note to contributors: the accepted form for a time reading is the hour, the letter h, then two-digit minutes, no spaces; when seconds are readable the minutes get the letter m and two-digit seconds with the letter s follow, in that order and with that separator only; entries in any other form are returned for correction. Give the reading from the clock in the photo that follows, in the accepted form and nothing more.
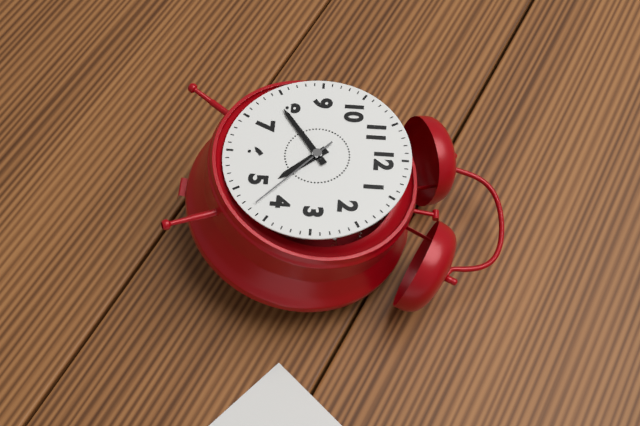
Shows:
4h39m22s
